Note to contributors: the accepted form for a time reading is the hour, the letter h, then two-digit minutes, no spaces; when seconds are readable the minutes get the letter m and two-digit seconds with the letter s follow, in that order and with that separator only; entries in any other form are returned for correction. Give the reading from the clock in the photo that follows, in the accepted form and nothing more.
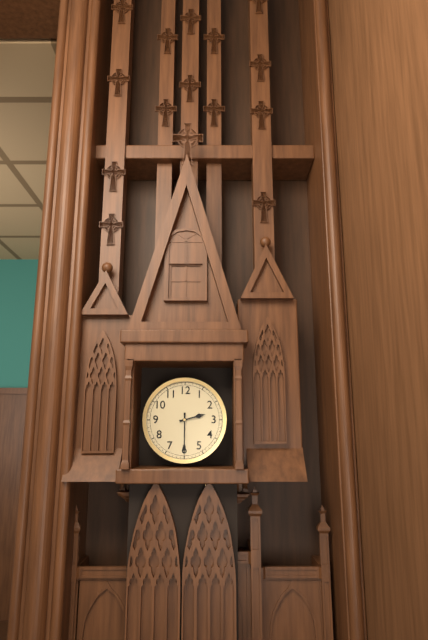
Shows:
2h30
